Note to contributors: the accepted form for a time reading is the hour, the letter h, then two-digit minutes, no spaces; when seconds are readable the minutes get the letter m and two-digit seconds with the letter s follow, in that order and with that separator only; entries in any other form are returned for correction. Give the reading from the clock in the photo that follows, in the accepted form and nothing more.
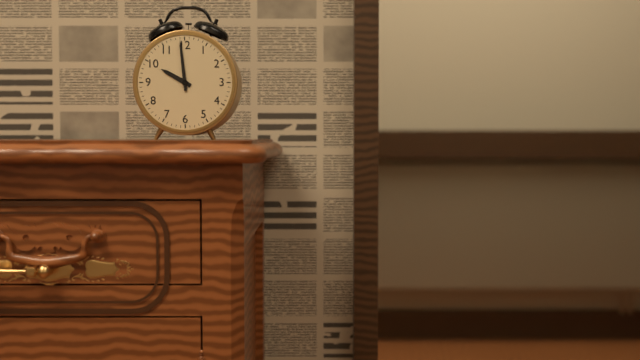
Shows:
9h59
